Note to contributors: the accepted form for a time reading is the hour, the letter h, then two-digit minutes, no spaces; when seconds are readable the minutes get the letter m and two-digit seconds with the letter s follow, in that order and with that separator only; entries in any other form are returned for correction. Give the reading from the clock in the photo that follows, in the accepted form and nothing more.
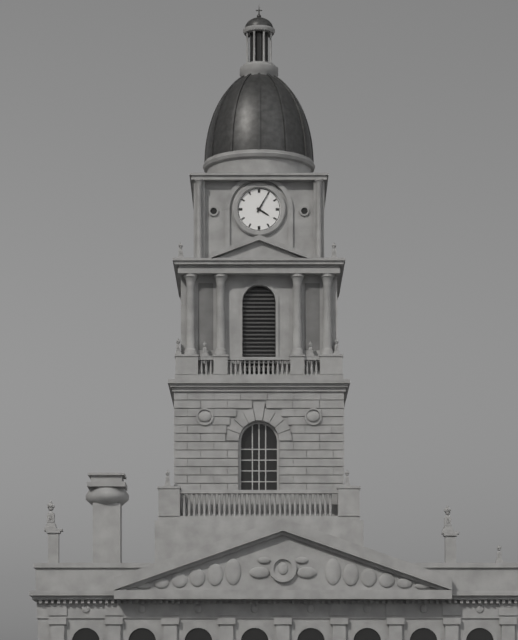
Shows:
4h05
